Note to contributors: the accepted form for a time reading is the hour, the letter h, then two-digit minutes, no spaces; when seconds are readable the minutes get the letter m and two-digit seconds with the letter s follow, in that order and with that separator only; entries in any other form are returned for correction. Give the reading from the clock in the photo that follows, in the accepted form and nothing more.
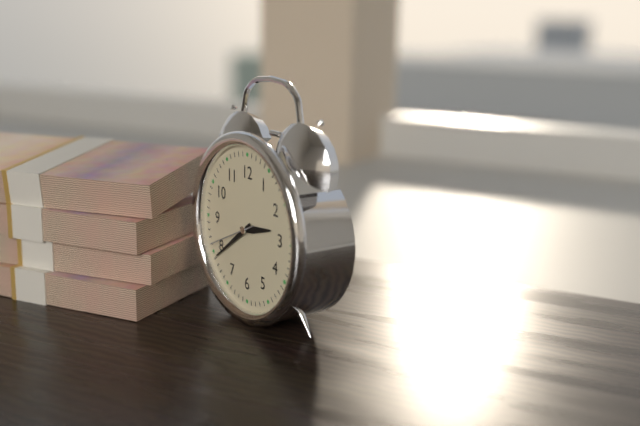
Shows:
2h39m41s
